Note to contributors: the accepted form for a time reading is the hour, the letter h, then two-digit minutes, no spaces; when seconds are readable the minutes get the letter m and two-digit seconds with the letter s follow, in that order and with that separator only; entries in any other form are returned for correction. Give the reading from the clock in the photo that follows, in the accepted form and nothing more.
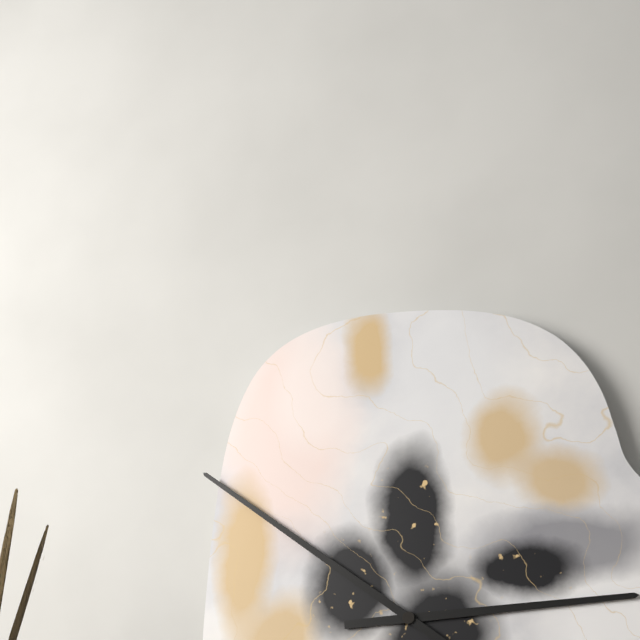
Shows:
2h51
